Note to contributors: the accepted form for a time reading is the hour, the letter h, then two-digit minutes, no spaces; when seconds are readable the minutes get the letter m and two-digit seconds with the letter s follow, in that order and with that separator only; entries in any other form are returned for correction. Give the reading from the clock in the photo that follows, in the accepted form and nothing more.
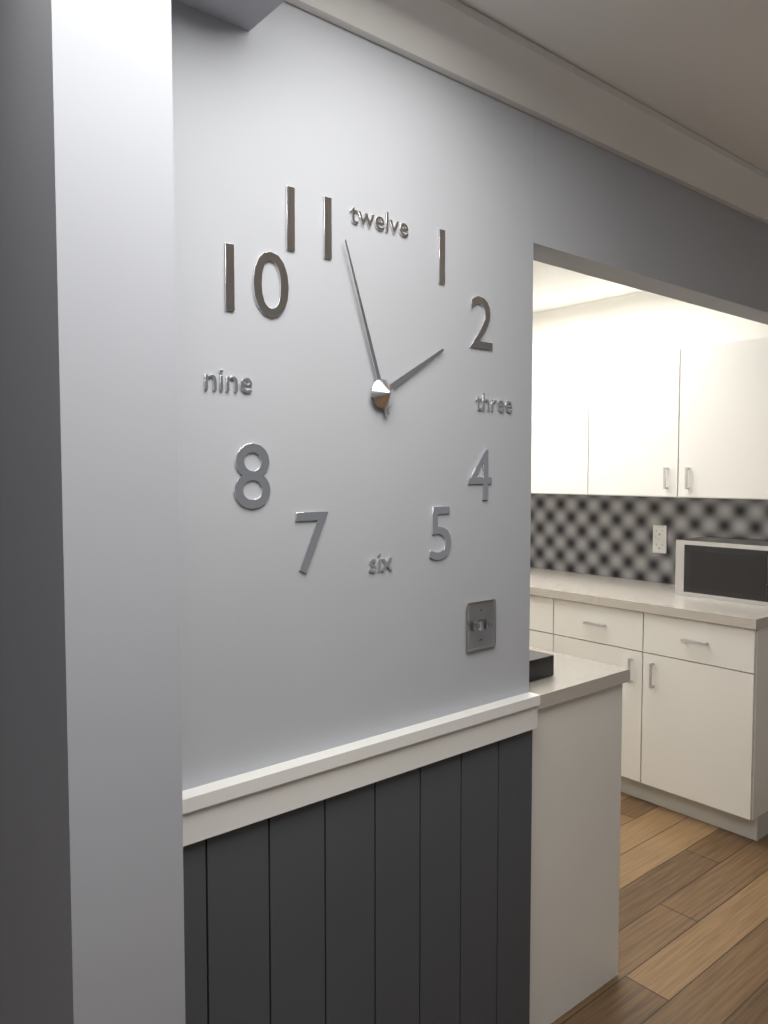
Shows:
1h57
